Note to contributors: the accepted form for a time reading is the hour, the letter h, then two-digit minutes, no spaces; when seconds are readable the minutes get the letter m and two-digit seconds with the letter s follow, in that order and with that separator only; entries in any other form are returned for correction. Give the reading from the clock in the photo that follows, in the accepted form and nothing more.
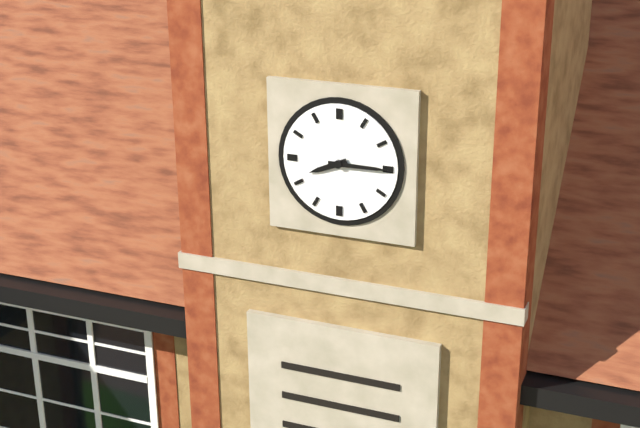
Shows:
8h15
